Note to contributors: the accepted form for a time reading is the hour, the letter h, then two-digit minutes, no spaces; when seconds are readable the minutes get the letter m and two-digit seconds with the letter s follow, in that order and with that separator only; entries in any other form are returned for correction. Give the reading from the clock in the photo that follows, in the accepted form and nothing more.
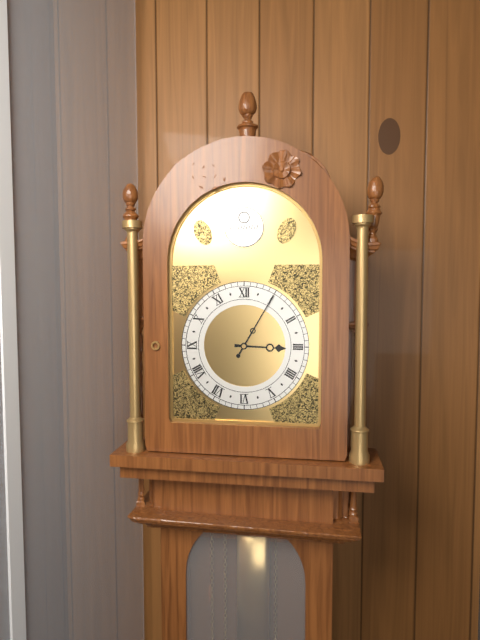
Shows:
3h05
